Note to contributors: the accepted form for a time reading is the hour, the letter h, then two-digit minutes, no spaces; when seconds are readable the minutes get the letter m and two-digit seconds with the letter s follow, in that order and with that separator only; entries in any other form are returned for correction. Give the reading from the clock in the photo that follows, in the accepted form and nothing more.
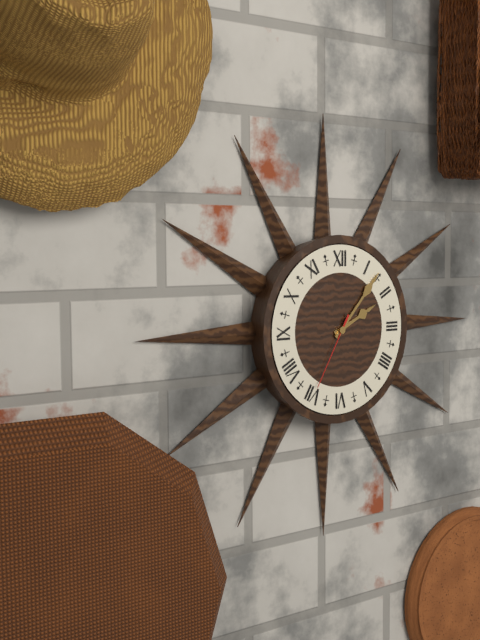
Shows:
2h07m35s
